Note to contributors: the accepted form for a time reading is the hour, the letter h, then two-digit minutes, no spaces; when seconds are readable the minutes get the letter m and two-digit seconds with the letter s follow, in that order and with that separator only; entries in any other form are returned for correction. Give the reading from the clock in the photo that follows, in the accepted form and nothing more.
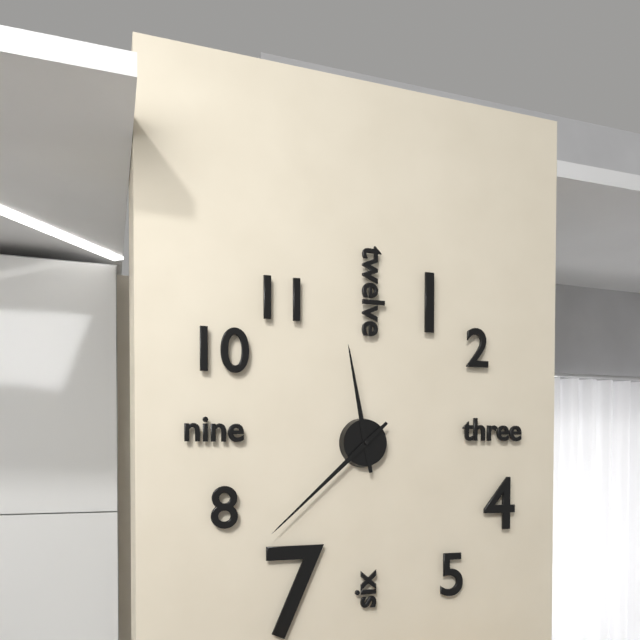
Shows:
11h38
